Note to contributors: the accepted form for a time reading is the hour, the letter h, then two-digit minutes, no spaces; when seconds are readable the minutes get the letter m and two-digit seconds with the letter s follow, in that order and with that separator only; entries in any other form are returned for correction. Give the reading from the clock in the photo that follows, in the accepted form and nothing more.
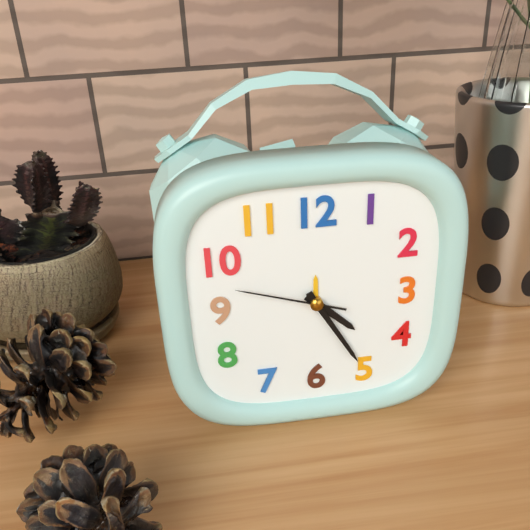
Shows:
4h25m48s
